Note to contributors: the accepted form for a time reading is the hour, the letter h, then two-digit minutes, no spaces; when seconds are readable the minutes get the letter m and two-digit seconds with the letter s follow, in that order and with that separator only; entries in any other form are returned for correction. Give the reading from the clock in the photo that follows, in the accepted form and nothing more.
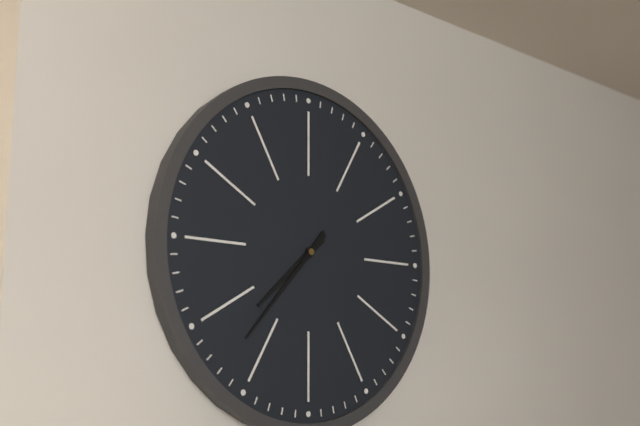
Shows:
7h37
